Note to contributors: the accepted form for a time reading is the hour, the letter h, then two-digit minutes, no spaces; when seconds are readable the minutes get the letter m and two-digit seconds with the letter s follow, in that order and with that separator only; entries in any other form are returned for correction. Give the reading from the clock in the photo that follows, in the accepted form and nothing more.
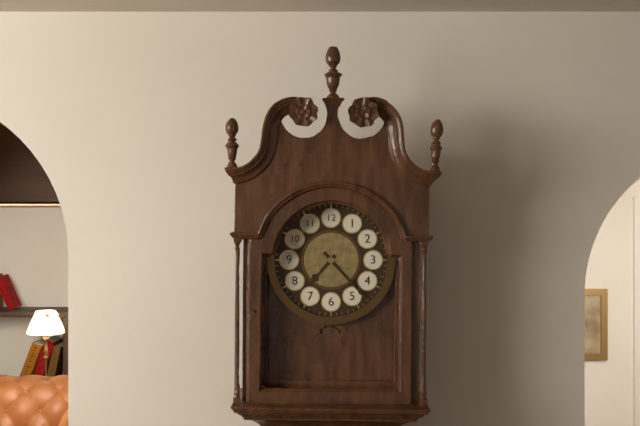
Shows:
7h23
